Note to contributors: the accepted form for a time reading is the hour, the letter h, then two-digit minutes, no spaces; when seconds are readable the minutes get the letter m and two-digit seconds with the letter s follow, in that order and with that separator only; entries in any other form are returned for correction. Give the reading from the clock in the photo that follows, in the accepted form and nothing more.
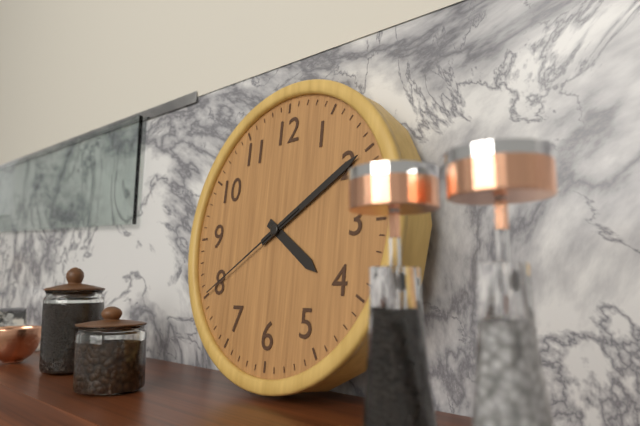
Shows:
4h10m40s
